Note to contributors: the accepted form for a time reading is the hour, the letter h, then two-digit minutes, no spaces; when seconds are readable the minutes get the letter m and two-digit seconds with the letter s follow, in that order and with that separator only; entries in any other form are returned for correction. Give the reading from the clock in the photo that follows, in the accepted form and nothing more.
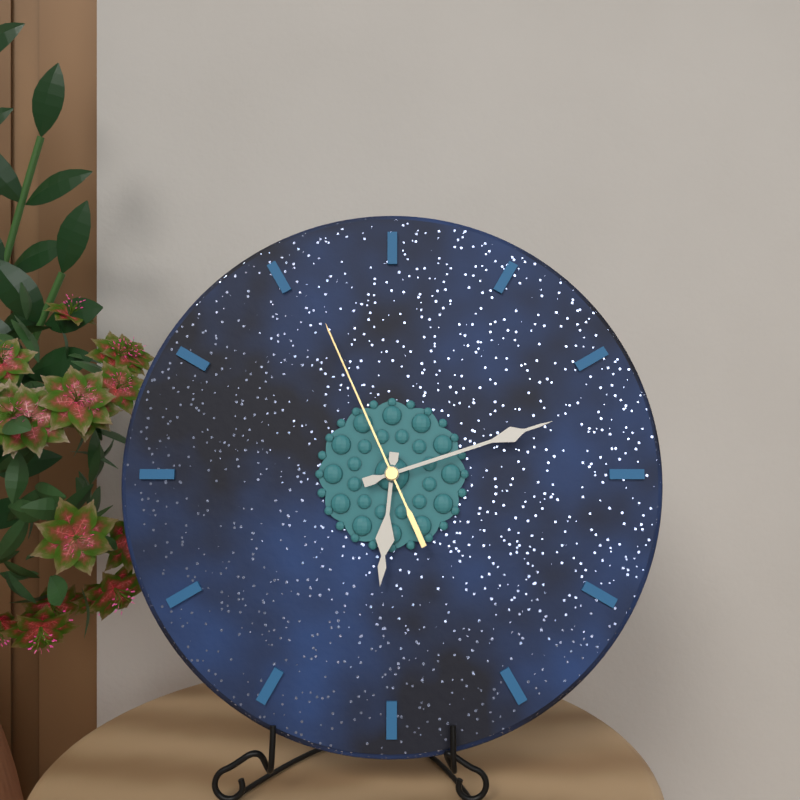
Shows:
6h12m56s
